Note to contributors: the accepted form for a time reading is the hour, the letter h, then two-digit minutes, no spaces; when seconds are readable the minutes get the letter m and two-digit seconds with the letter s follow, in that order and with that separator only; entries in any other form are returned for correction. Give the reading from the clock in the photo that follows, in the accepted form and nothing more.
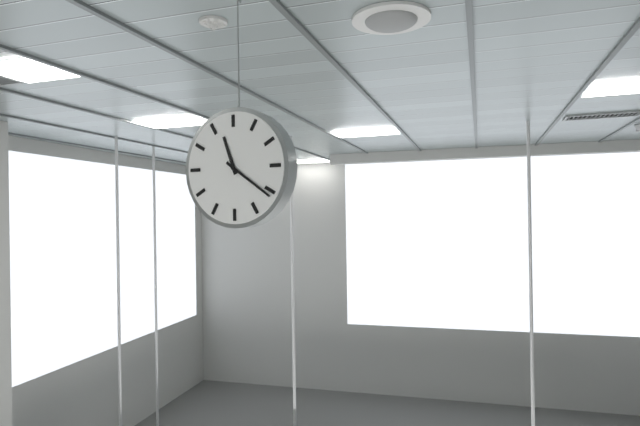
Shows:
11h21
